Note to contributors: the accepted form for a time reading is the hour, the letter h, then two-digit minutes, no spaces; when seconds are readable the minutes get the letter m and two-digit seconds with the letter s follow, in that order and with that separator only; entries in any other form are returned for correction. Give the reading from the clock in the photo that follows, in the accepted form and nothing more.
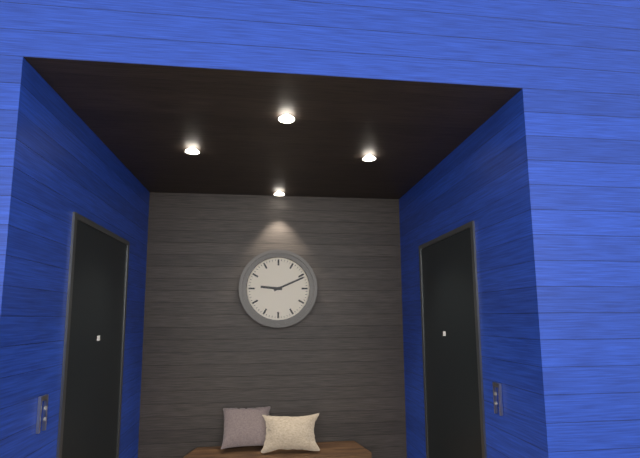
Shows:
9h11
